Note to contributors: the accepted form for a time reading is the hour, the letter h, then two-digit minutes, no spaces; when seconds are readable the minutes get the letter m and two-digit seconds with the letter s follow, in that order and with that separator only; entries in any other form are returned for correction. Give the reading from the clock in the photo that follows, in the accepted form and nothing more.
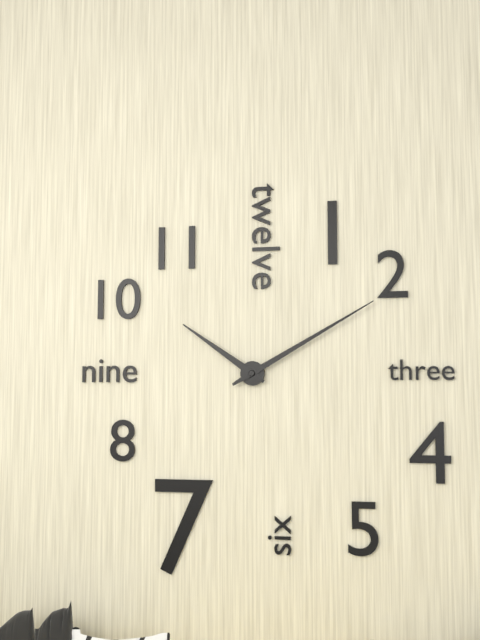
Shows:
10h10
